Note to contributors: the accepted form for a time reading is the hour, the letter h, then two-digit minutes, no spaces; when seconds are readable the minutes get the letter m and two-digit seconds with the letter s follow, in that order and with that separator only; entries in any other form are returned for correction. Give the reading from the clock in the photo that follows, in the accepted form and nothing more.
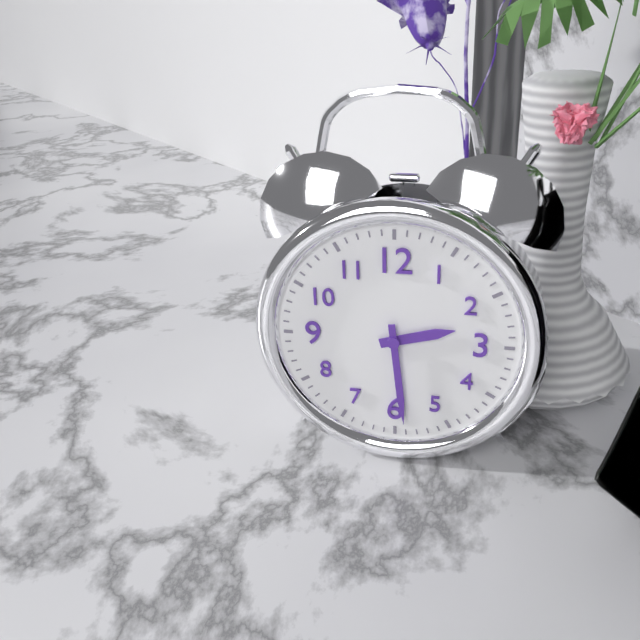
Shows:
2h29
